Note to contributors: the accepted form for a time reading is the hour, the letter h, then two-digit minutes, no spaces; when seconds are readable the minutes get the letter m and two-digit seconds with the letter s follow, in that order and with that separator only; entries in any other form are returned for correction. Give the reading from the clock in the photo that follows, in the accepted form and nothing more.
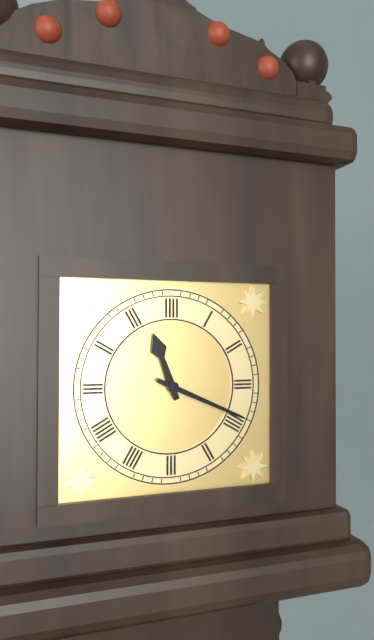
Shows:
11h19
